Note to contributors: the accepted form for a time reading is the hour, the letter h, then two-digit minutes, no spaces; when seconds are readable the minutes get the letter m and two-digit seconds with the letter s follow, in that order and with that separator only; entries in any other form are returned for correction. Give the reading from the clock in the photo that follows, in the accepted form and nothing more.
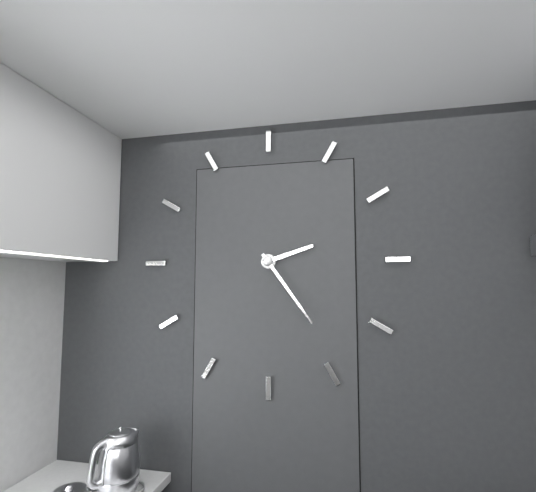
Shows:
2h24
